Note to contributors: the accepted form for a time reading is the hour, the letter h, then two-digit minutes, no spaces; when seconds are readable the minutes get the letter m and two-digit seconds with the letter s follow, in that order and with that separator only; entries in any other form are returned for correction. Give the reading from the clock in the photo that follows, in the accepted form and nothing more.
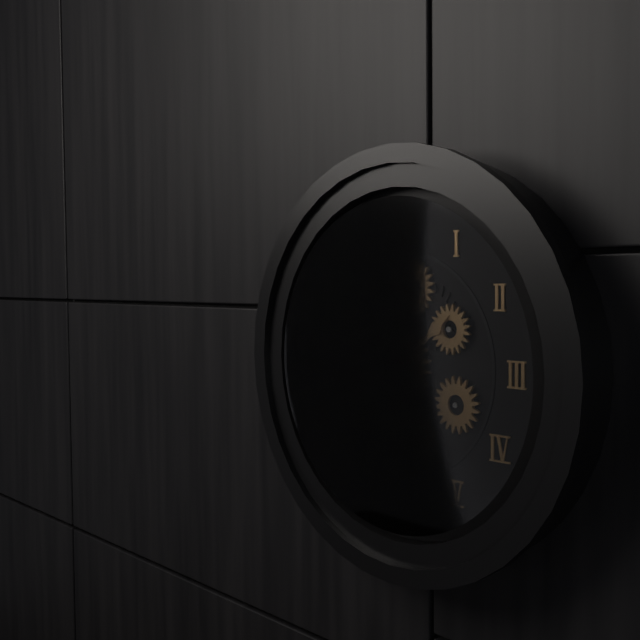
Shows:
1h45
